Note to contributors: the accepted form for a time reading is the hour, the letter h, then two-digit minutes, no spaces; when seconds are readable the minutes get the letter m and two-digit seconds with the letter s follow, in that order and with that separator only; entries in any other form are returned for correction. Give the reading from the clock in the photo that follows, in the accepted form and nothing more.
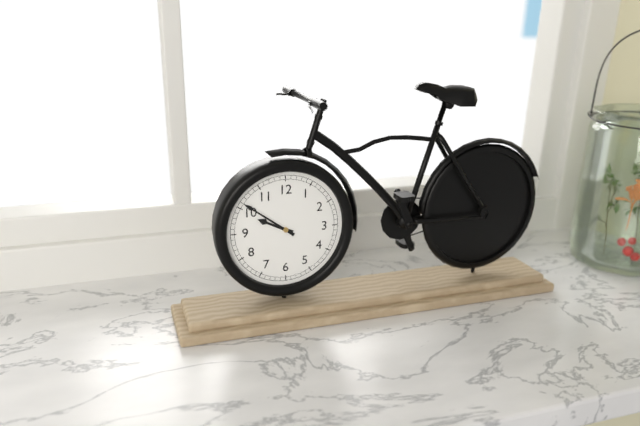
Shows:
9h51
